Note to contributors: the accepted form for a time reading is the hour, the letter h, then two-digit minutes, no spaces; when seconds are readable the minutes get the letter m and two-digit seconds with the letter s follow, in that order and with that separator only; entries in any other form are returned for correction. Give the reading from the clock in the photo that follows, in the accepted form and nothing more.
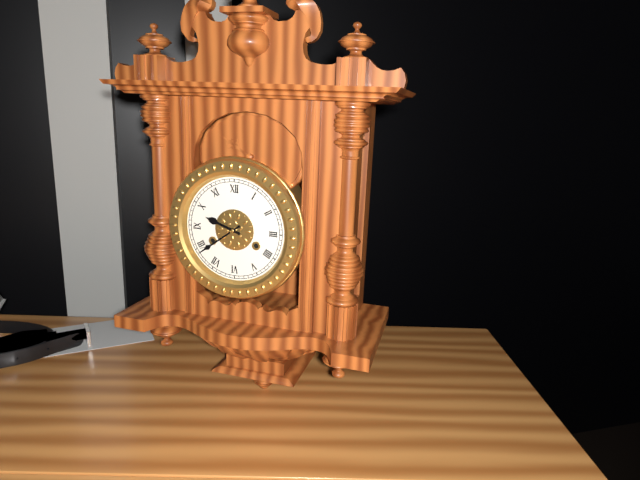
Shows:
9h39
